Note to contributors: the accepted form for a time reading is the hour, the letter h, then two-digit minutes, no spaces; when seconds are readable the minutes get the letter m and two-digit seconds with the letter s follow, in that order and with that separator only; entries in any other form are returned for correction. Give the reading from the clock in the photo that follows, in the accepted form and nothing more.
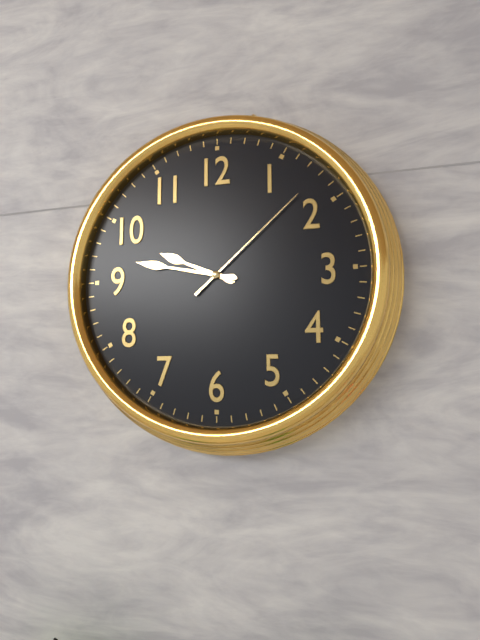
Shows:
9h47m08s
